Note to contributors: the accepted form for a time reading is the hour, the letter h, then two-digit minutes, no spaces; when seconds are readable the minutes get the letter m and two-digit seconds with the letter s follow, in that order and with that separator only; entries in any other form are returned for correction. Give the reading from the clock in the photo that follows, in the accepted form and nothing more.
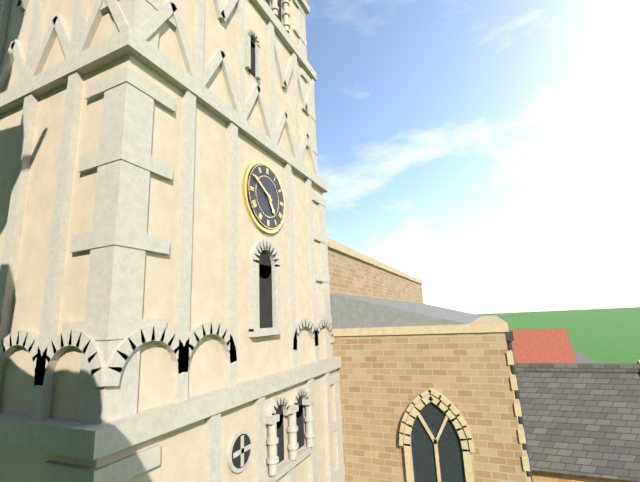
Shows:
4h50
